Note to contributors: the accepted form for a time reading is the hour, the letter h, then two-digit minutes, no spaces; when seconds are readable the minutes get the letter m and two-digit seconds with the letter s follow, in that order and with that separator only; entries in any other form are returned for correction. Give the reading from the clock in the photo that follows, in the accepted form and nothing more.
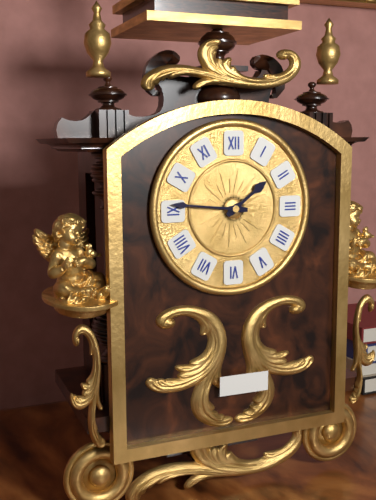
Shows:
1h46
